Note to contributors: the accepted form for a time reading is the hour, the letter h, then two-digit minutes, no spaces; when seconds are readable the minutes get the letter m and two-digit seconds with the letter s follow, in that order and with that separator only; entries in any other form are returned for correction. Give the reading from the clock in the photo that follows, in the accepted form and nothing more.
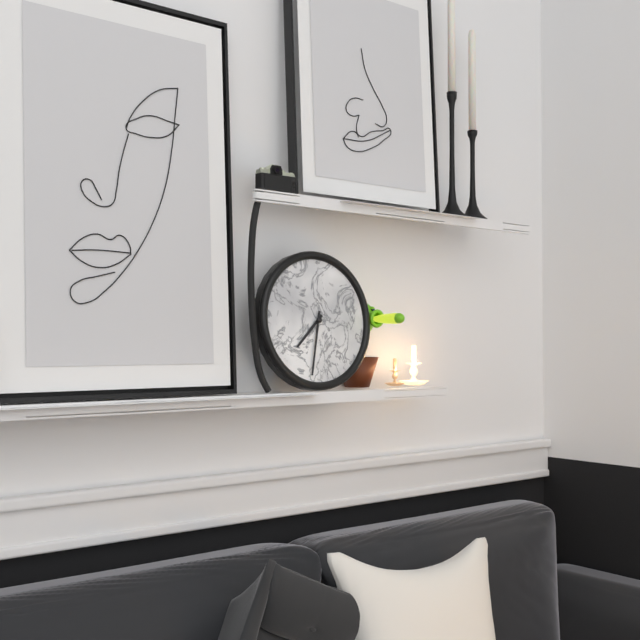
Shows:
7h32
